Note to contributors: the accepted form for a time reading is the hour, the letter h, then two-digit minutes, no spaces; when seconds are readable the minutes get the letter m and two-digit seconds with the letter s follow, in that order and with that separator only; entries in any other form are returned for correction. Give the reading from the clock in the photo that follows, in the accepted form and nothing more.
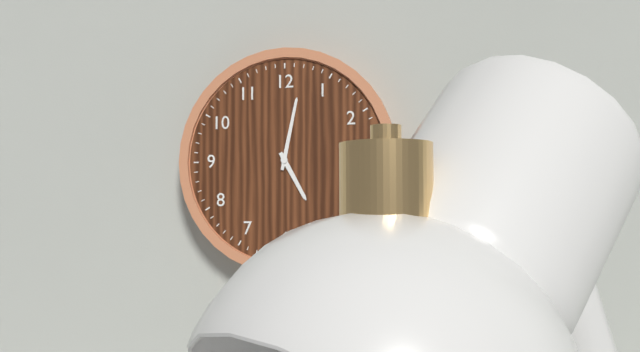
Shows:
5h02
